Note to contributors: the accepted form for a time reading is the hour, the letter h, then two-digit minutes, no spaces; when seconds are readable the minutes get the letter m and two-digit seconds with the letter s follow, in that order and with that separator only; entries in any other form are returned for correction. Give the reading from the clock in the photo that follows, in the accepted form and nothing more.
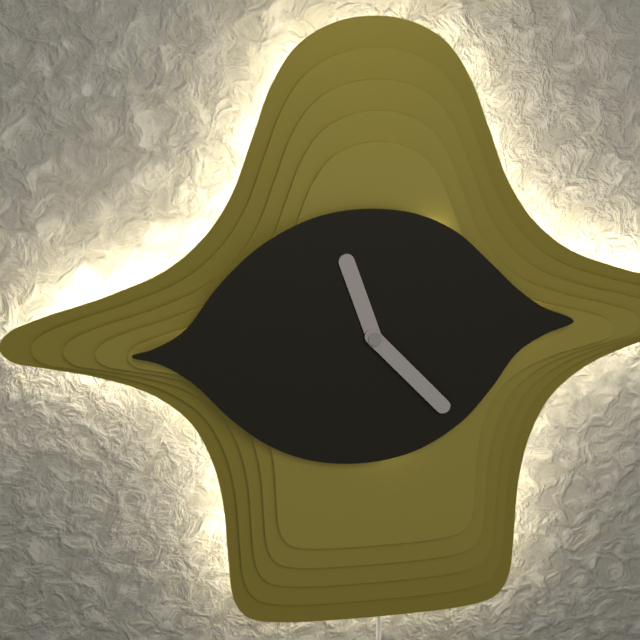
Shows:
11h23
